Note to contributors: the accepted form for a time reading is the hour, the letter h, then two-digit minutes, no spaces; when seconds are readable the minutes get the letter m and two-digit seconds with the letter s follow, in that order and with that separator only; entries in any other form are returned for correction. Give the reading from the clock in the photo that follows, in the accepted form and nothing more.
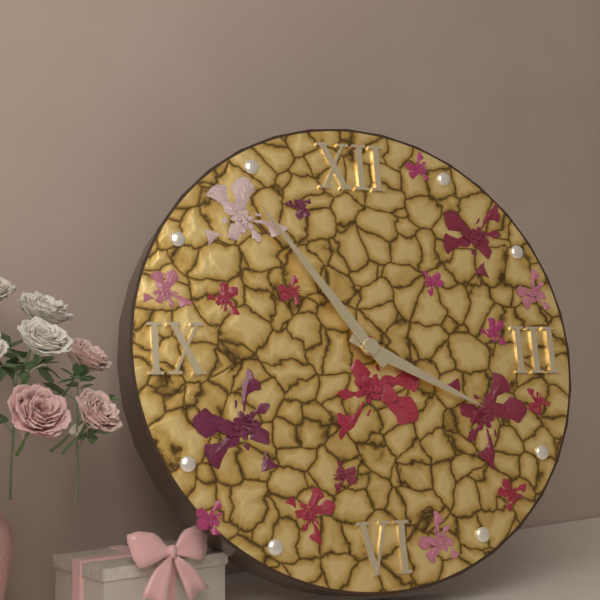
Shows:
3h54
